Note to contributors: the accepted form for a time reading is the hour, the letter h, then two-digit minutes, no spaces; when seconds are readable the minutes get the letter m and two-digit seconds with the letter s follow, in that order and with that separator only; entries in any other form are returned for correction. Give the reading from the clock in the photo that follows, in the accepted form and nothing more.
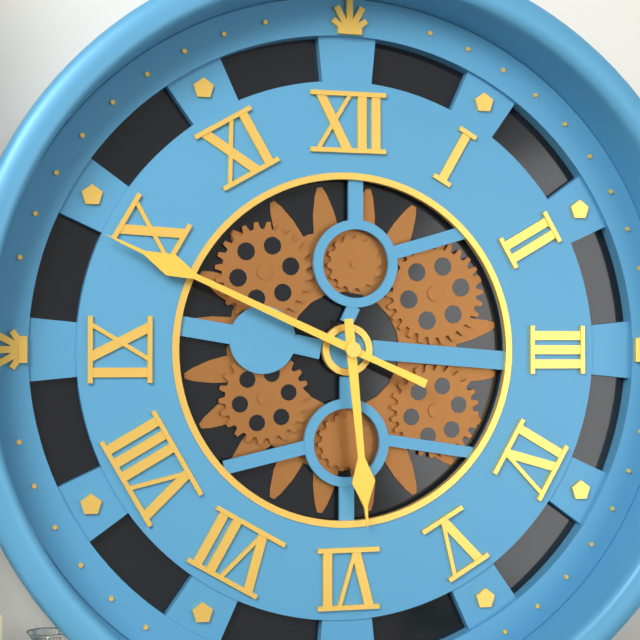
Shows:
5h49
